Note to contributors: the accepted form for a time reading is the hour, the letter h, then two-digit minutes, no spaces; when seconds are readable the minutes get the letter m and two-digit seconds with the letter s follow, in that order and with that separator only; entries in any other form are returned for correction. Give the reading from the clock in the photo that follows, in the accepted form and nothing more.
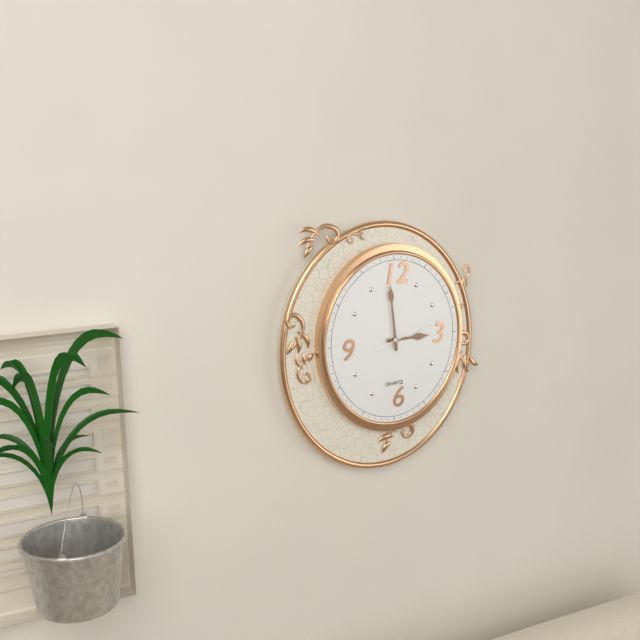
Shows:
2h59m12s
